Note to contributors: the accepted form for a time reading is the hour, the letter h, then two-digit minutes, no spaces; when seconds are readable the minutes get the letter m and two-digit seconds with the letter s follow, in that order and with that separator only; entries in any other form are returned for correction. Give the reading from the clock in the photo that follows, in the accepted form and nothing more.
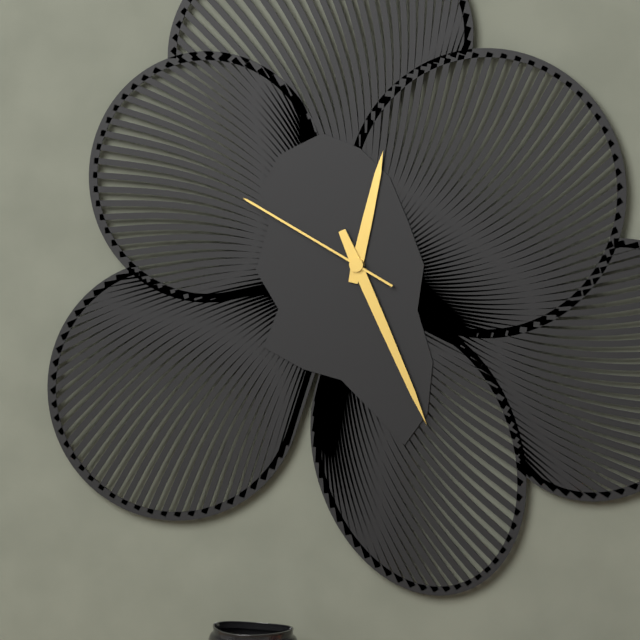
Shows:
12h26m50s
